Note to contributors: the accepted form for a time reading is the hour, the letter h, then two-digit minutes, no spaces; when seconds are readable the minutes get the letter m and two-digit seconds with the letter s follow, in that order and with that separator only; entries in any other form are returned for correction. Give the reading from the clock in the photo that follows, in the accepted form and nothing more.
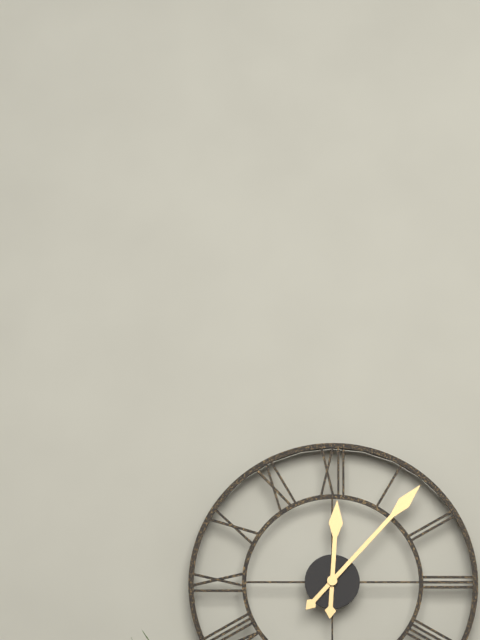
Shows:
12h07
